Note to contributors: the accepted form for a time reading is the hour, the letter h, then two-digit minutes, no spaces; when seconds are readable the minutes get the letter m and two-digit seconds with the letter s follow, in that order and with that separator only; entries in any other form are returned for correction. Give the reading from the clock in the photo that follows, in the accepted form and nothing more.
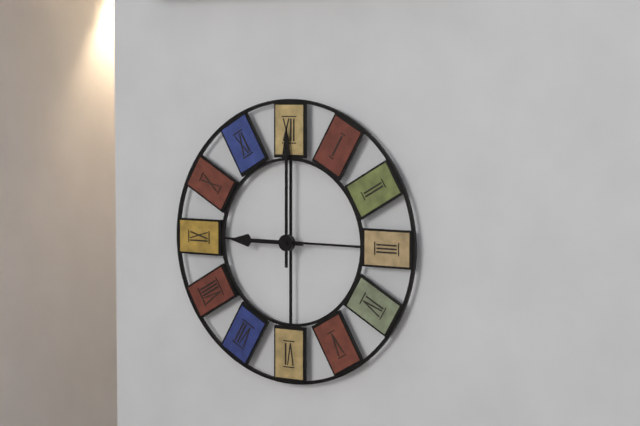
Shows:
9h00
